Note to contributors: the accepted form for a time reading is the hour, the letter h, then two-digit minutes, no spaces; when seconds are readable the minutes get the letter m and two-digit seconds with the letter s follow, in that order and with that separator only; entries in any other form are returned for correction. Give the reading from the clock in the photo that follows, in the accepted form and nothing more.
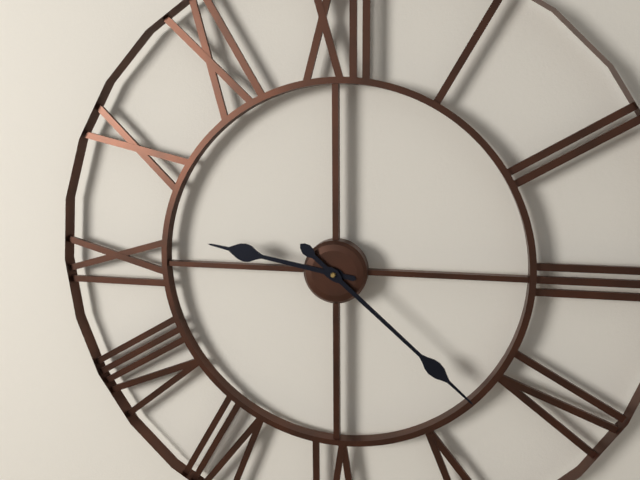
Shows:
9h22
